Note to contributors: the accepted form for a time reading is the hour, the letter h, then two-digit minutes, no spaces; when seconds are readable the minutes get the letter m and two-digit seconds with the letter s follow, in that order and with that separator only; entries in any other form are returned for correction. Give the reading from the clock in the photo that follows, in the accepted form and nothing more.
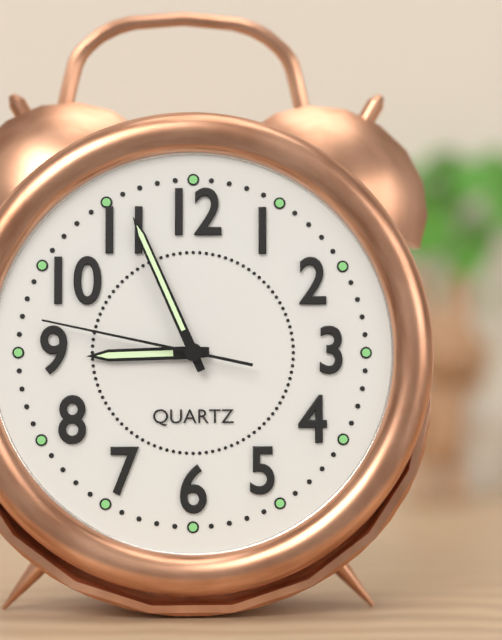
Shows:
8h56m47s
